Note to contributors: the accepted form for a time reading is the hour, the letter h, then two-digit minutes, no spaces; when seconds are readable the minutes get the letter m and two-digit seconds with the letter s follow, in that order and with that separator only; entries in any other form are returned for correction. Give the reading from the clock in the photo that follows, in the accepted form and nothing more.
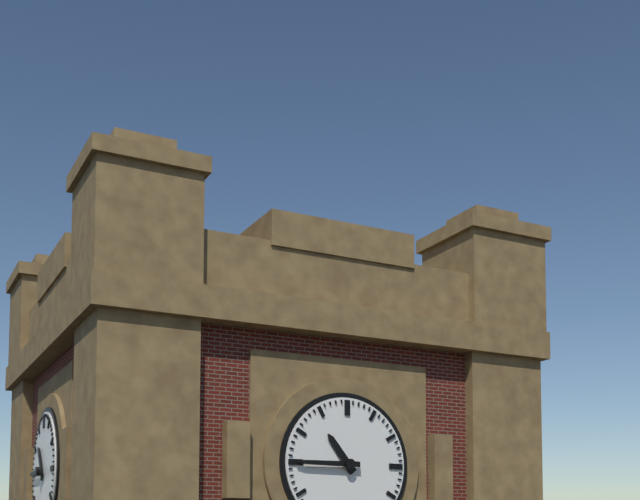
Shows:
10h45
